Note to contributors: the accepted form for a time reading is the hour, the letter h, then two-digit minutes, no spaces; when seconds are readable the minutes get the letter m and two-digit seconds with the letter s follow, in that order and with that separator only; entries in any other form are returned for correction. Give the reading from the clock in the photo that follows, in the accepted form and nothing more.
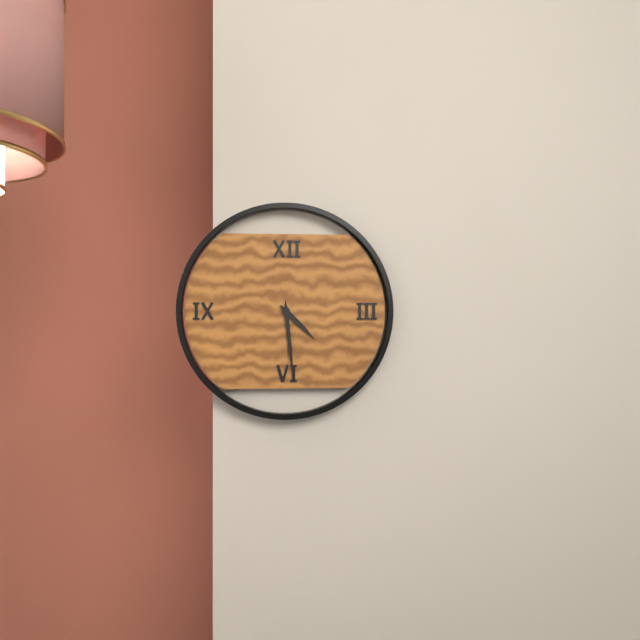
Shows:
4h29
